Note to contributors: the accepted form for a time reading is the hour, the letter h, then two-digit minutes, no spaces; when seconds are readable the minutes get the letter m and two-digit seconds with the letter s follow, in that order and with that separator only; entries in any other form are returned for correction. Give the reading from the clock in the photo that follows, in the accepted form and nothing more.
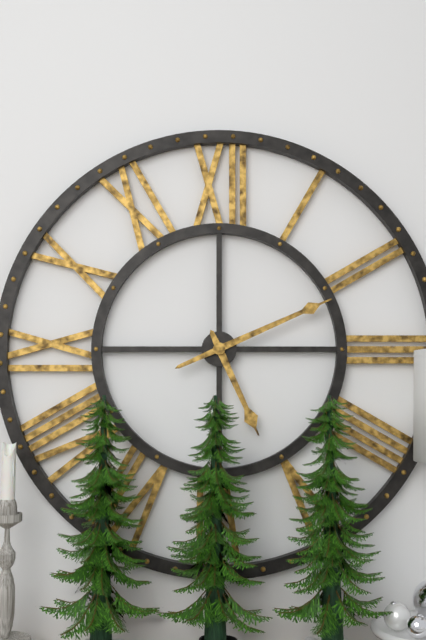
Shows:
5h11
